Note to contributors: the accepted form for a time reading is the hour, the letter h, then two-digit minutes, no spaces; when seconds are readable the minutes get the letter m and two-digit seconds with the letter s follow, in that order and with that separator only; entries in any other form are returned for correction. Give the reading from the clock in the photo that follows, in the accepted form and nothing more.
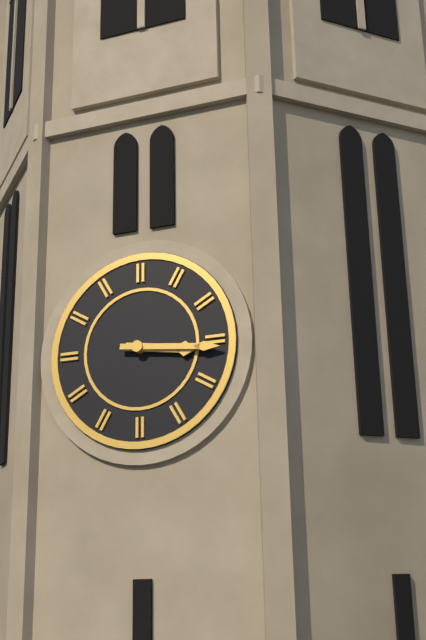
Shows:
3h16
